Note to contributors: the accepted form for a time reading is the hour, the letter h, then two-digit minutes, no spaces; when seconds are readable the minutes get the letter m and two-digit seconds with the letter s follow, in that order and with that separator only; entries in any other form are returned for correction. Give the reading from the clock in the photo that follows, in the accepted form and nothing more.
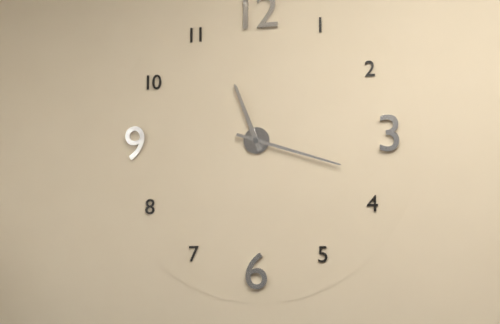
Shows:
11h18
